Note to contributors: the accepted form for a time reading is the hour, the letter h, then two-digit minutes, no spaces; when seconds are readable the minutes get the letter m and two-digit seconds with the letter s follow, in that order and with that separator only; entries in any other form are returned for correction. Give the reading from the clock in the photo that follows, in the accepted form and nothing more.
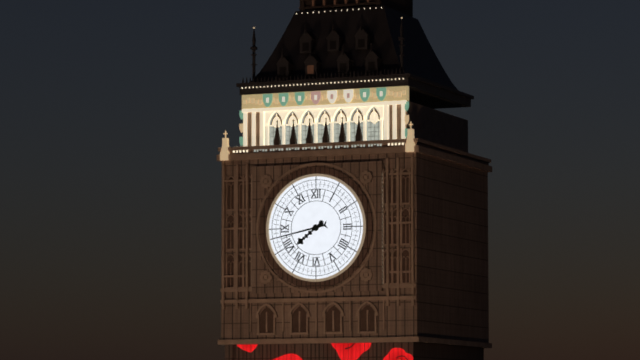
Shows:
7h43
